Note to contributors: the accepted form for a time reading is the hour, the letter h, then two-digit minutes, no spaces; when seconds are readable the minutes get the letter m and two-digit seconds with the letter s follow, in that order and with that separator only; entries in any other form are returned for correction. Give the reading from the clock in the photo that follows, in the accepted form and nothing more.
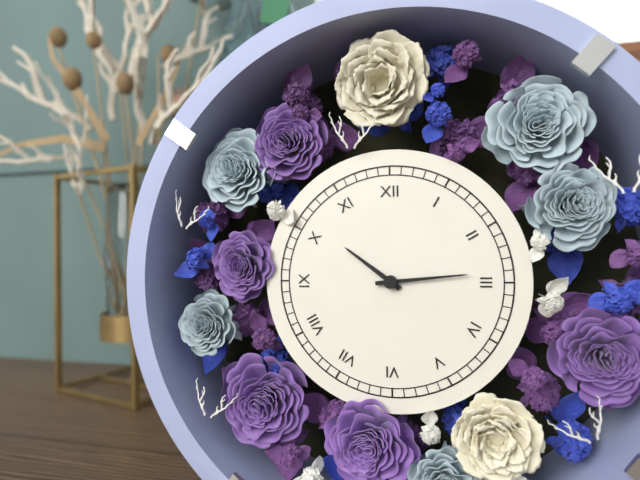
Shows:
10h14
